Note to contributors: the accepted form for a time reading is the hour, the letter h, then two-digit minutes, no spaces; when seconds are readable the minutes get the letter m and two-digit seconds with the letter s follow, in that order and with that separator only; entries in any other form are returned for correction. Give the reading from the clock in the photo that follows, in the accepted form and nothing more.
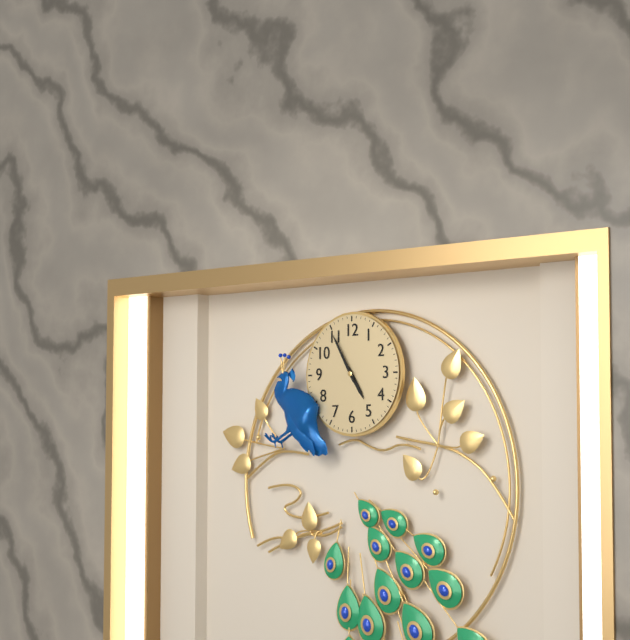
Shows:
4h55
